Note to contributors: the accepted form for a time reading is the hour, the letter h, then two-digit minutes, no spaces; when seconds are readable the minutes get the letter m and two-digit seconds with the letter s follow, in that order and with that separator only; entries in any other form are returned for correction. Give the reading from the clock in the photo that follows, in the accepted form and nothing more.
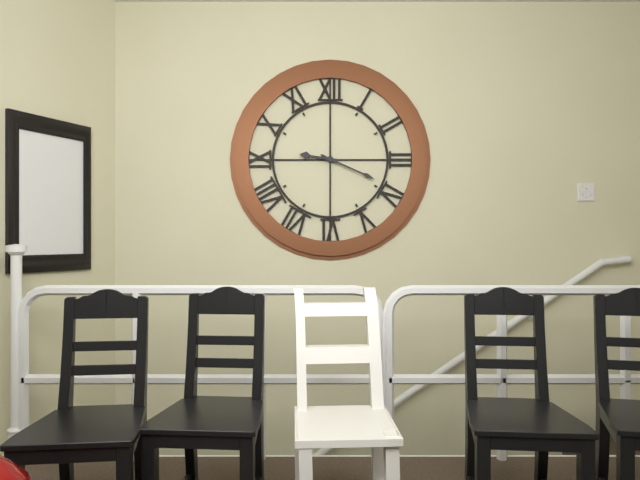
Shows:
9h19
